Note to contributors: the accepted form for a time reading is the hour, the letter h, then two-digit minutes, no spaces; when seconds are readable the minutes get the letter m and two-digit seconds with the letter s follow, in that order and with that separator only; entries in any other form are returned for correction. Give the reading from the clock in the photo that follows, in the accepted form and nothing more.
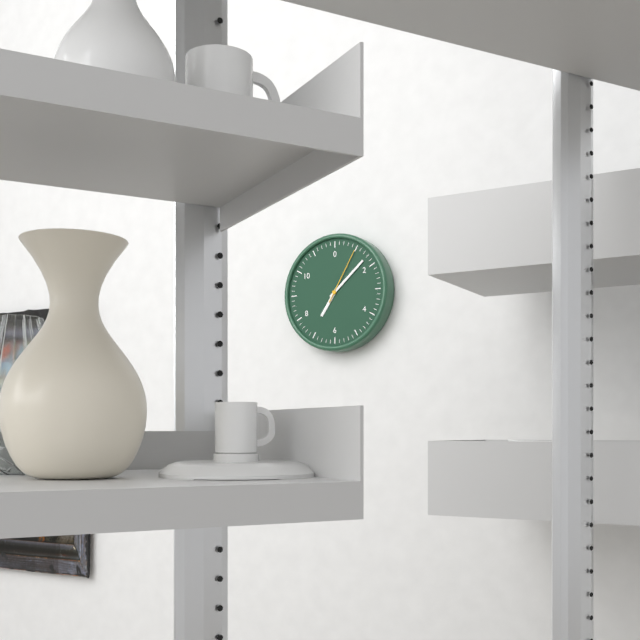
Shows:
7h08m05s
